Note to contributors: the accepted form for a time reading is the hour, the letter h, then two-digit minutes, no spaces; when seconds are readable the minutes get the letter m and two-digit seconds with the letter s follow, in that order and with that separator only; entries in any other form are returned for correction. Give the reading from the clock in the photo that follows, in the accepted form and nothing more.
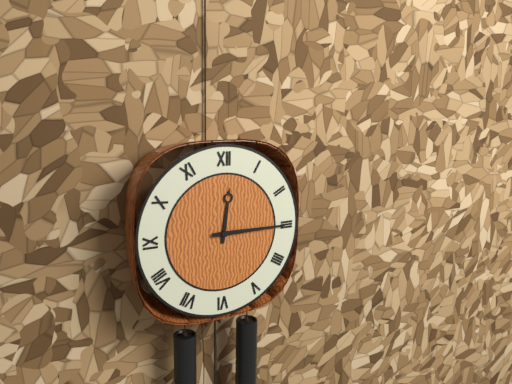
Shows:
12h15
